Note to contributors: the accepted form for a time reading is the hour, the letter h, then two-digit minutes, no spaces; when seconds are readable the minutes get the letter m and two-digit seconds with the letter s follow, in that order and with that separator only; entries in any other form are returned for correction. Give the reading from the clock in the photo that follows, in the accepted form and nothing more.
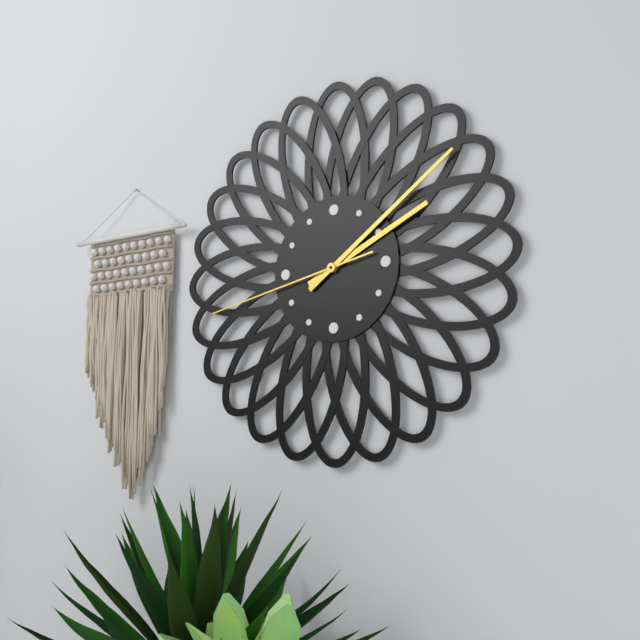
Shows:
2h09m43s
